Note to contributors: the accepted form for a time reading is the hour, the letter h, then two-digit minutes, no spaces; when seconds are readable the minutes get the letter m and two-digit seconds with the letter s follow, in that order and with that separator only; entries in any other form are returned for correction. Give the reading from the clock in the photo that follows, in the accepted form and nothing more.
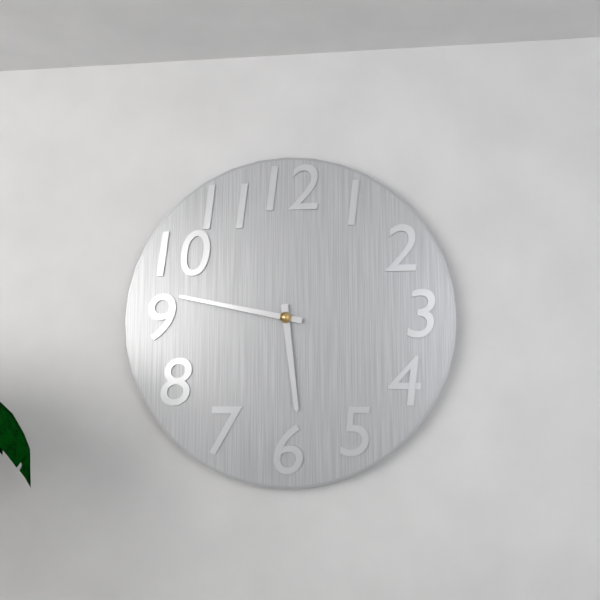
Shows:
5h47
